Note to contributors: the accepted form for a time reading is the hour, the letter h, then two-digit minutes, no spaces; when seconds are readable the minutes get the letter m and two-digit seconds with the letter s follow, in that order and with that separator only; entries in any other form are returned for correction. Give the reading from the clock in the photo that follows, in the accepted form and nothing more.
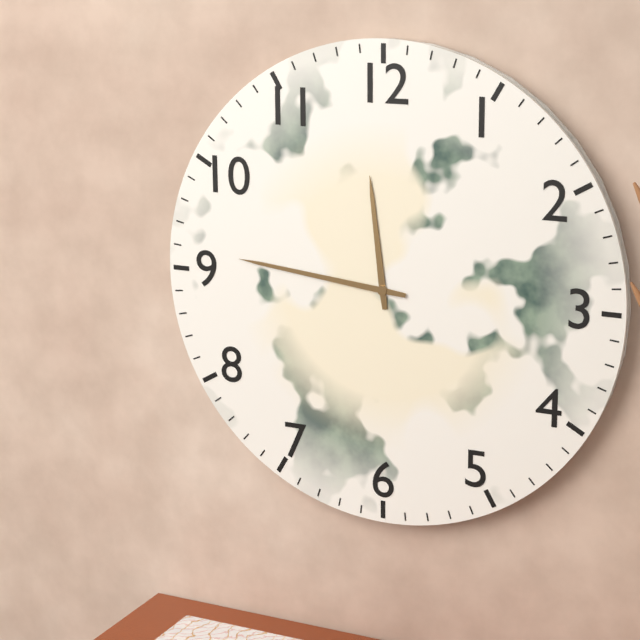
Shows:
11h46
